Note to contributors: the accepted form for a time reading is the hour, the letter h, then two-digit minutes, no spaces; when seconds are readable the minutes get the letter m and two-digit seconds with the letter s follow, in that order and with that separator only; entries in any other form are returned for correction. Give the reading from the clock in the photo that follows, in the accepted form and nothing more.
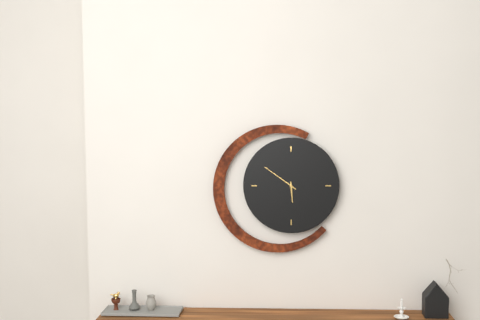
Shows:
5h51
